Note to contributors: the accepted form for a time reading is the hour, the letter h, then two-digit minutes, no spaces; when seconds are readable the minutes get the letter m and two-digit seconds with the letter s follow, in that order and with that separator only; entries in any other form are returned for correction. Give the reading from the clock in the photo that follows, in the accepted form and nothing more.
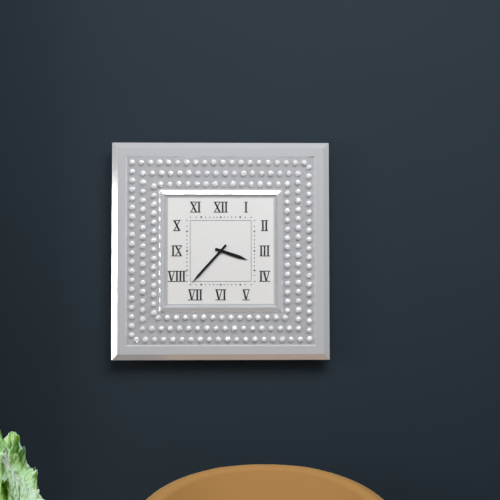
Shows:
3h37
